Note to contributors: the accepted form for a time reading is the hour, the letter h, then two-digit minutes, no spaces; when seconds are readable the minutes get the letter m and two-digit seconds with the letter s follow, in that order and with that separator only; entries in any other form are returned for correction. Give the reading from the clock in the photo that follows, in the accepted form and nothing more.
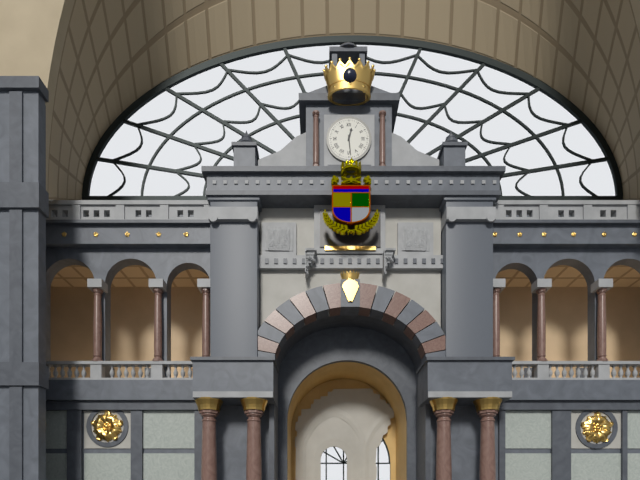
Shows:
12h29
